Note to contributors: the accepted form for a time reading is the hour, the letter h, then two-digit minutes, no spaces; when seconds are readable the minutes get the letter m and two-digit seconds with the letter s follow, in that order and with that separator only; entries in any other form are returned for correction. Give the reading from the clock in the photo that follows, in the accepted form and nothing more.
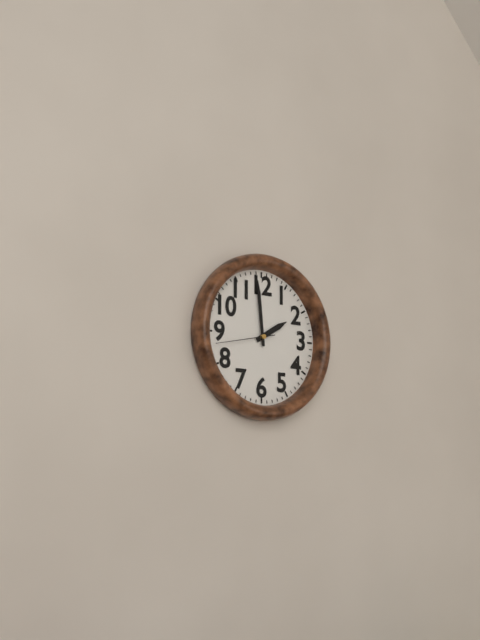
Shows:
1h59m43s
